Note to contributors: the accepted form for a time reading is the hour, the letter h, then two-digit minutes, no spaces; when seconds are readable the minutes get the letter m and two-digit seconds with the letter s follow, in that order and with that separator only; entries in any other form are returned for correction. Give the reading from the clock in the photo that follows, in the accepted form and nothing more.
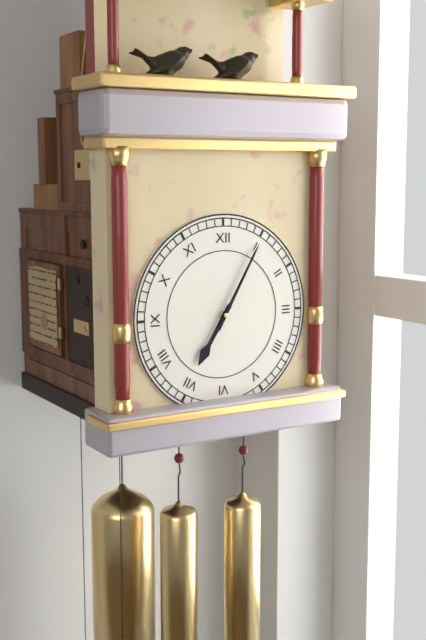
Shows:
7h05
